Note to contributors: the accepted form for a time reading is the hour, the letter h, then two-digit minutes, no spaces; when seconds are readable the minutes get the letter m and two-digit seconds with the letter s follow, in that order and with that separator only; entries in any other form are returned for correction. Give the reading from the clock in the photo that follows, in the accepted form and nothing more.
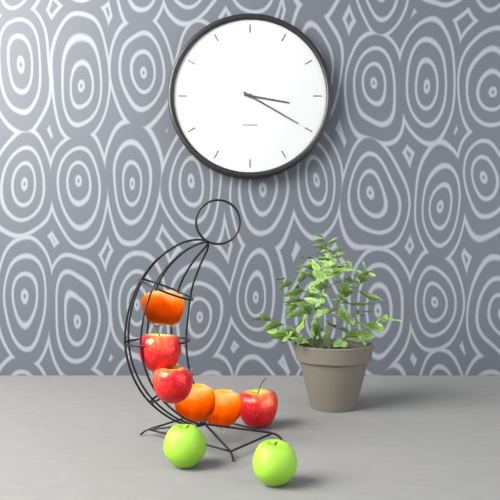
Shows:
3h20
